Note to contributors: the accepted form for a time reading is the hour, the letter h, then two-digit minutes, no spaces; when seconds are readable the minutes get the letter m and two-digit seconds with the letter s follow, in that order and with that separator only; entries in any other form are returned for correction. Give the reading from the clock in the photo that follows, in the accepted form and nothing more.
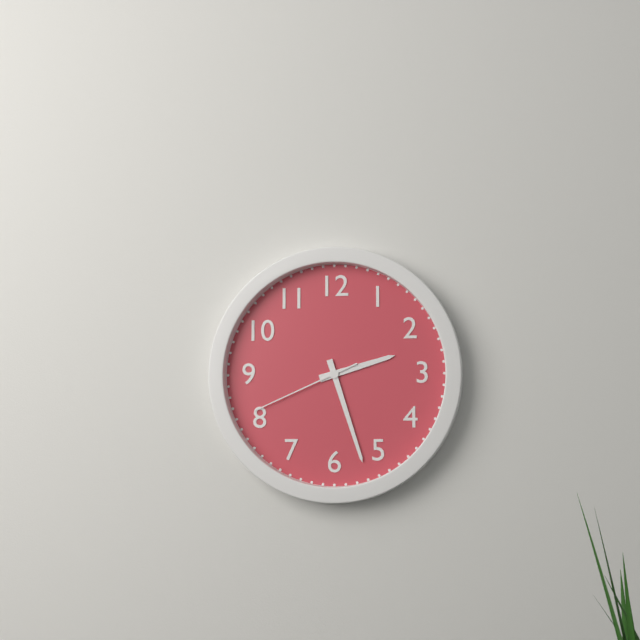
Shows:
2h27m41s
